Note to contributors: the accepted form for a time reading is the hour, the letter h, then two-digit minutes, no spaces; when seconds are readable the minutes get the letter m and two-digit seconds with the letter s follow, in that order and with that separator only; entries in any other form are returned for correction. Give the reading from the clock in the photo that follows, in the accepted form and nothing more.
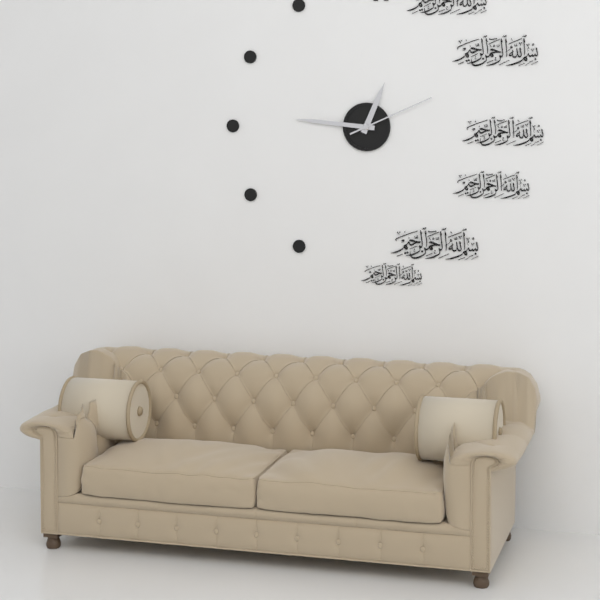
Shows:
12h46m11s
